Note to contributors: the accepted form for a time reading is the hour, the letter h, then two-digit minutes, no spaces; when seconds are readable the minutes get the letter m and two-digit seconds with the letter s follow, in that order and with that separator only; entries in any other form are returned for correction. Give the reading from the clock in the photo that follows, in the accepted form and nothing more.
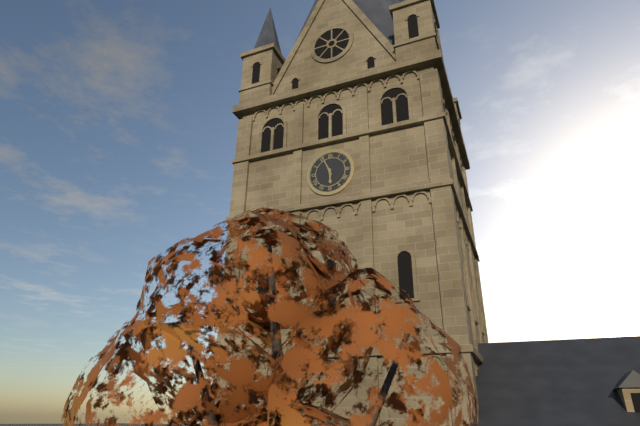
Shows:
5h56
